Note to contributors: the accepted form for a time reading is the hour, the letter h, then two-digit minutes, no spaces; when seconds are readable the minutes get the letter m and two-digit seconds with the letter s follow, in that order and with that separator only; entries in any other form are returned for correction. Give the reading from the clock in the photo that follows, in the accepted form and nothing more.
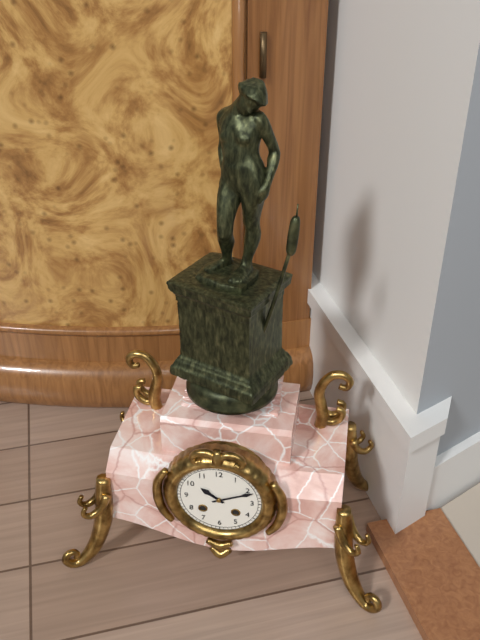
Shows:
10h11
